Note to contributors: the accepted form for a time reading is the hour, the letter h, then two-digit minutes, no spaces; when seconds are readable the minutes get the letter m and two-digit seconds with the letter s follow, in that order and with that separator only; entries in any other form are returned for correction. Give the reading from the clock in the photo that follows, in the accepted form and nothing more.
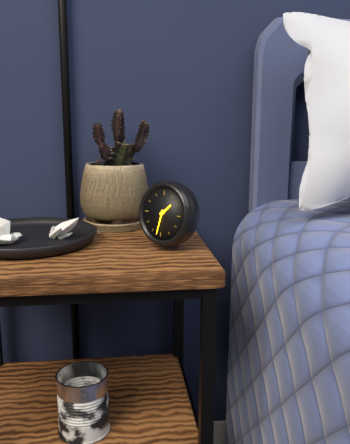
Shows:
1h32
